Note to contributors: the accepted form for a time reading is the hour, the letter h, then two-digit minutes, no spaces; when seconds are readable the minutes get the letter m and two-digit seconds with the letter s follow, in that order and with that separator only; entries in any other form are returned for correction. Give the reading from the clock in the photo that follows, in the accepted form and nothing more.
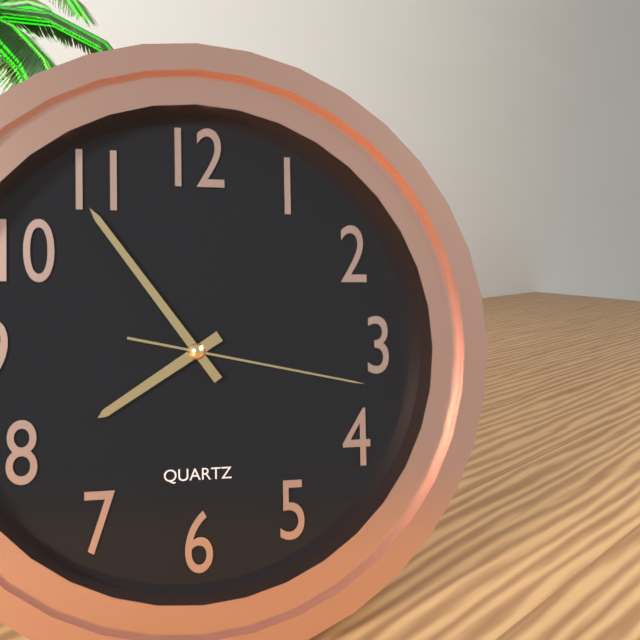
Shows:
7h54m17s
